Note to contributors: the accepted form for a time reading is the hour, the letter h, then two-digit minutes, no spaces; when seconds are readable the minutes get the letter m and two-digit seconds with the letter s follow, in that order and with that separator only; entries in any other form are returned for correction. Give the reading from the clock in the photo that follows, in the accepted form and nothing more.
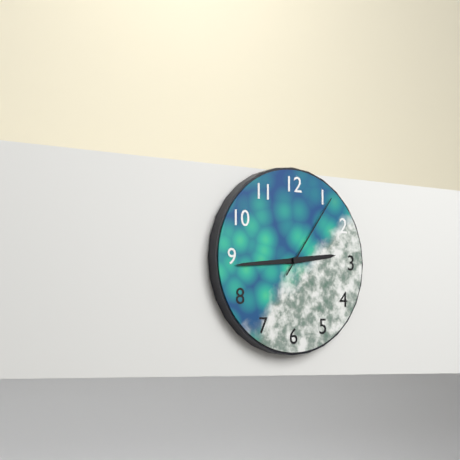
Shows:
2h44m06s
